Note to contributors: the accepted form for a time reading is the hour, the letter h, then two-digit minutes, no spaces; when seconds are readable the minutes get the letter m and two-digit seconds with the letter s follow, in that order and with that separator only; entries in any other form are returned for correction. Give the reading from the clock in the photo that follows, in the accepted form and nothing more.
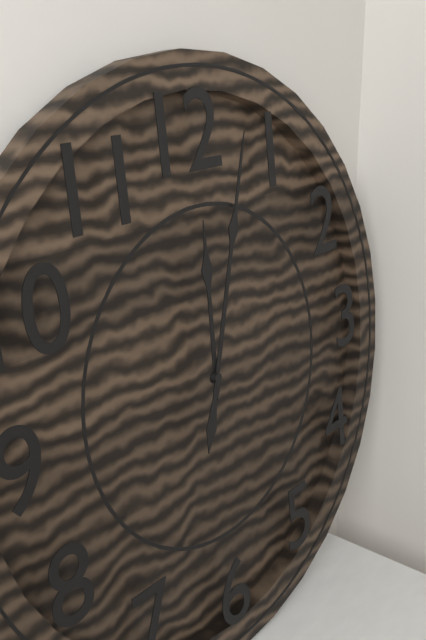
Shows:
12h03
